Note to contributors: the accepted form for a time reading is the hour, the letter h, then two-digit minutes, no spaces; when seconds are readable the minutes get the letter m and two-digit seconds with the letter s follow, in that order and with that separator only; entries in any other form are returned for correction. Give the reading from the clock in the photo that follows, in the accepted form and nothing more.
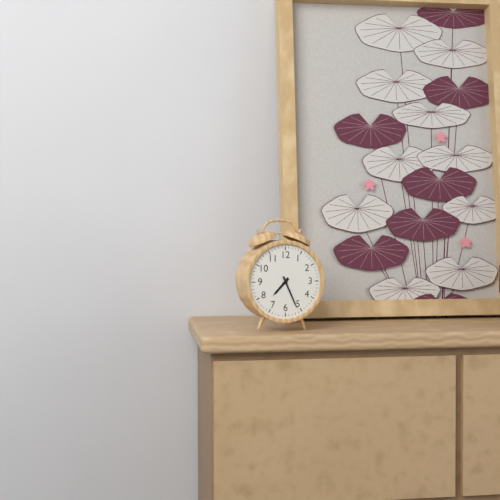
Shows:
7h26
